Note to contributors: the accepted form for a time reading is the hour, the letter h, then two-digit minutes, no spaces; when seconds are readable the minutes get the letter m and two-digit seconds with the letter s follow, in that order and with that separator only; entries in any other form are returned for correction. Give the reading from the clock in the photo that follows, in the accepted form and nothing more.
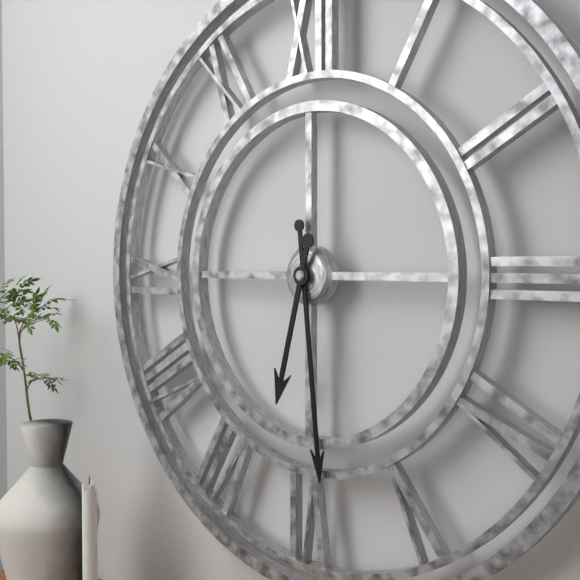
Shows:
6h29
